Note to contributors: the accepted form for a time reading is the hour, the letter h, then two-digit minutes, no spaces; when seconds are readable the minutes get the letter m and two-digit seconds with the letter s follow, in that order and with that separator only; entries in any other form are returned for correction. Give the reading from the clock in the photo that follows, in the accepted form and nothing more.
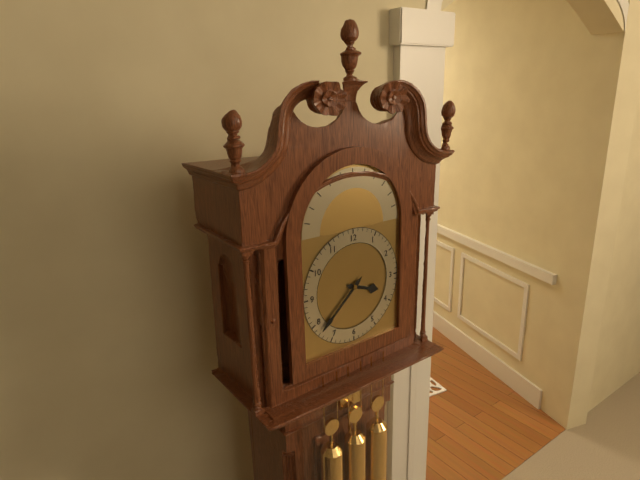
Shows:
3h38
